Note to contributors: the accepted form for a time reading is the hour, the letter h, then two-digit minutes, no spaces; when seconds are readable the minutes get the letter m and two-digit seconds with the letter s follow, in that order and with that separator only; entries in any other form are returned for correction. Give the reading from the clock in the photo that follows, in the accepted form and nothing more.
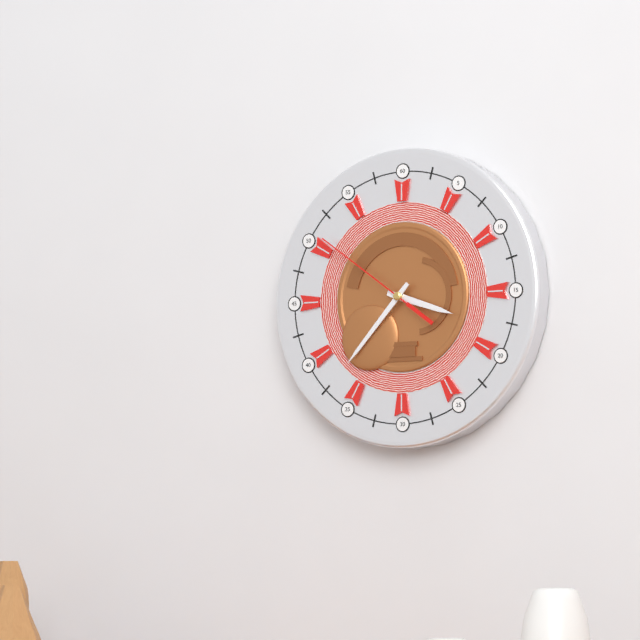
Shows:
3h37m51s
